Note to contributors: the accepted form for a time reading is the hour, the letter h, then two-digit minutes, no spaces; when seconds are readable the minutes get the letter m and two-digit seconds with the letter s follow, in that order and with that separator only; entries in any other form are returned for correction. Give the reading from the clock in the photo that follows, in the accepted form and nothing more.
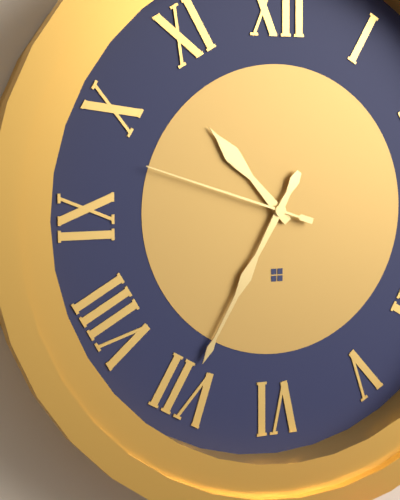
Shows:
10h35m48s
